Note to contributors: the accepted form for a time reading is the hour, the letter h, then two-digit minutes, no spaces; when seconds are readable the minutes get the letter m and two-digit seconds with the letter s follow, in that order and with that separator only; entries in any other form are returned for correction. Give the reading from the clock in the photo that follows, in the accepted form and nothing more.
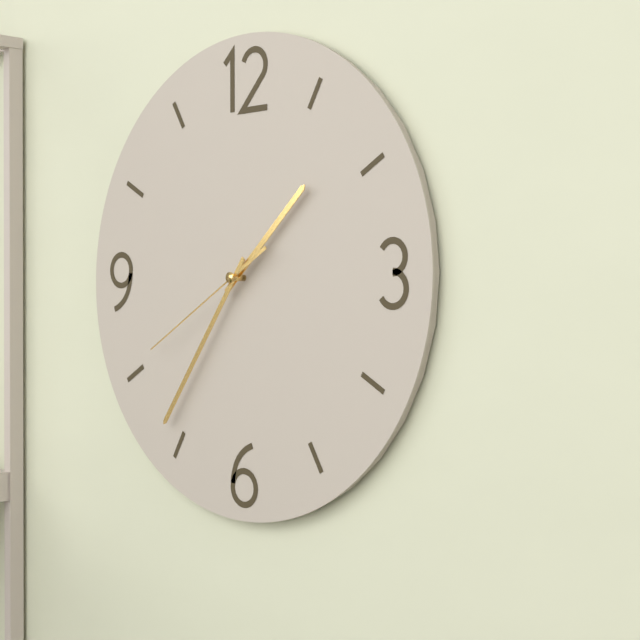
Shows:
1h36m40s
